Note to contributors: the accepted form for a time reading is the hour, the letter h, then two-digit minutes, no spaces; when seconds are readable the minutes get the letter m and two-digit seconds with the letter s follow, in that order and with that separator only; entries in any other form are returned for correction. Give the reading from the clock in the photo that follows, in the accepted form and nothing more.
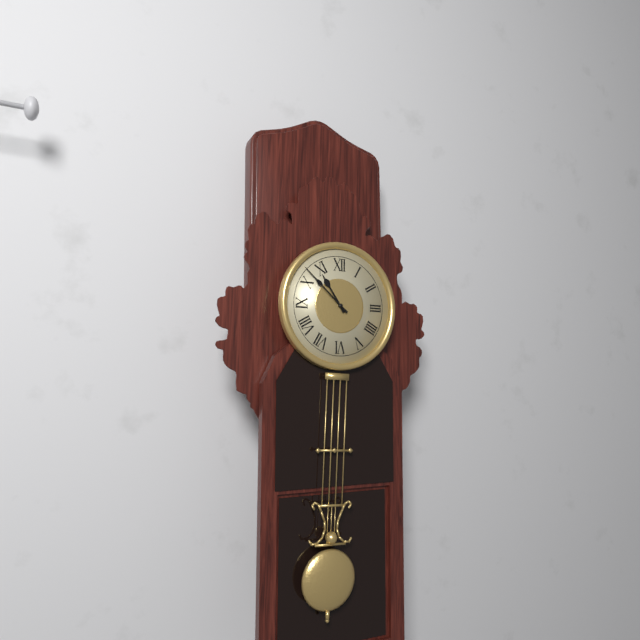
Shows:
10h52
